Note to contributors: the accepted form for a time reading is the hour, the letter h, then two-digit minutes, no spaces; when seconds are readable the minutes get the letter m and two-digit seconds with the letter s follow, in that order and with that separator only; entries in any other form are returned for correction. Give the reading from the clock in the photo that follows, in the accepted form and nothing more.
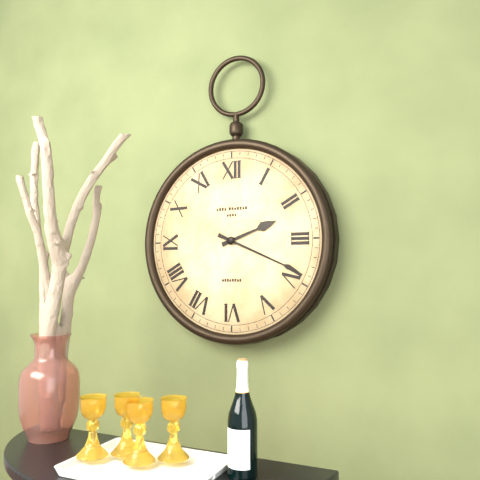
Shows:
2h19
